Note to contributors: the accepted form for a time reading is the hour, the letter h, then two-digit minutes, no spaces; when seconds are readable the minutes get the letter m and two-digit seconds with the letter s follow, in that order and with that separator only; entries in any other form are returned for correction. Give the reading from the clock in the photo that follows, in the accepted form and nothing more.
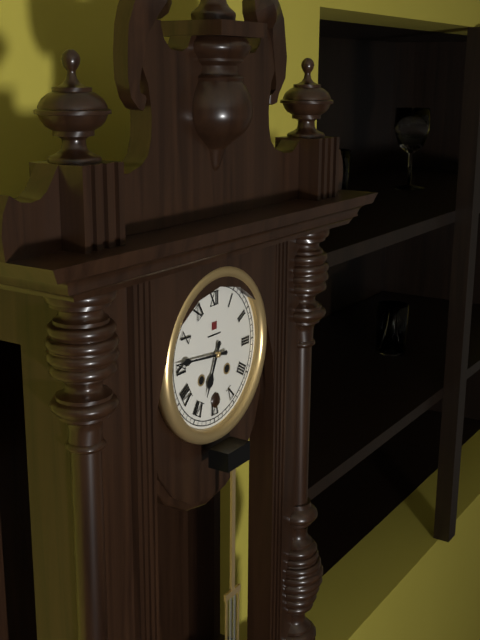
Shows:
6h46
